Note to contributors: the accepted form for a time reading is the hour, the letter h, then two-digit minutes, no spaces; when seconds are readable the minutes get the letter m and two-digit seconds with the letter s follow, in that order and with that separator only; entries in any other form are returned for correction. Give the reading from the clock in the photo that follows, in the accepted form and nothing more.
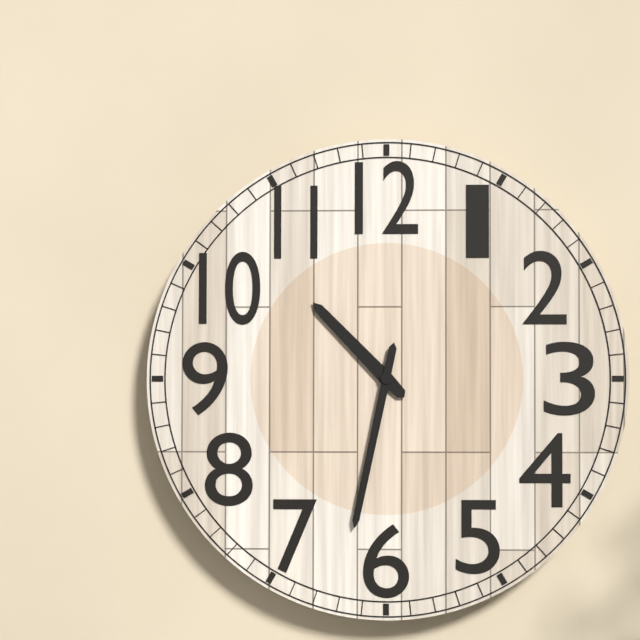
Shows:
10h32
